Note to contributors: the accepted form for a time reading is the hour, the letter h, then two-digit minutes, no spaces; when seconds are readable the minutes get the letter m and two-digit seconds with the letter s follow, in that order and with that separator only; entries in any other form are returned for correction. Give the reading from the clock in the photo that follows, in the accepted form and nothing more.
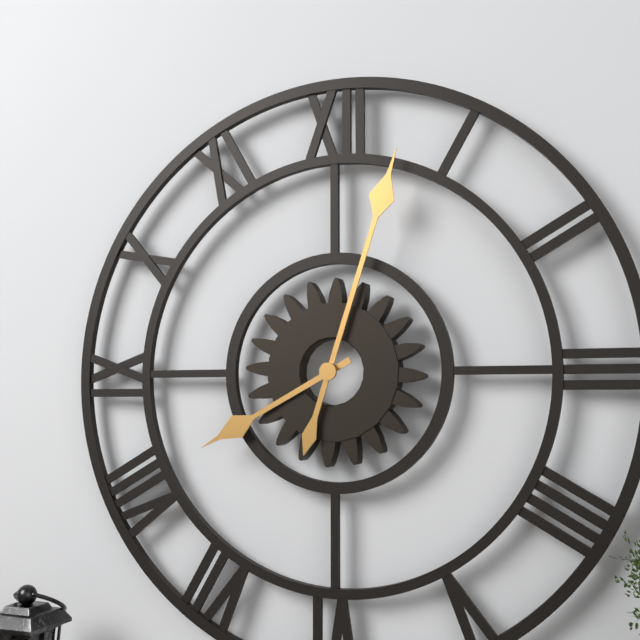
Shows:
8h03
